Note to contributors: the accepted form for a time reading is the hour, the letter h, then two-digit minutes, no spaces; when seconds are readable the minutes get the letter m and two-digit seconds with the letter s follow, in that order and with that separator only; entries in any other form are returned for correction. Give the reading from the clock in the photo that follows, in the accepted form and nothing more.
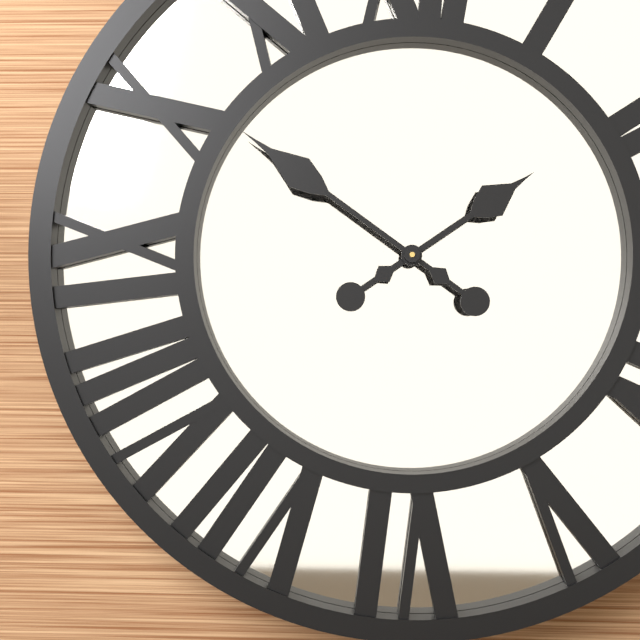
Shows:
1h51
